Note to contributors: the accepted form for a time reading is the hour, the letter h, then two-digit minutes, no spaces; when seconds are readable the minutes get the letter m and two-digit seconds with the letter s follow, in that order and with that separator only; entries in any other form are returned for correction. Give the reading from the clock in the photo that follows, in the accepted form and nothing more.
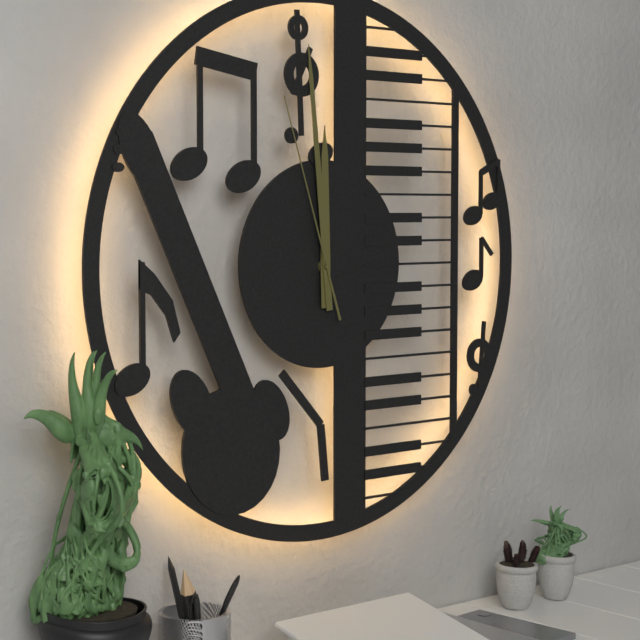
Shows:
11h59m57s
